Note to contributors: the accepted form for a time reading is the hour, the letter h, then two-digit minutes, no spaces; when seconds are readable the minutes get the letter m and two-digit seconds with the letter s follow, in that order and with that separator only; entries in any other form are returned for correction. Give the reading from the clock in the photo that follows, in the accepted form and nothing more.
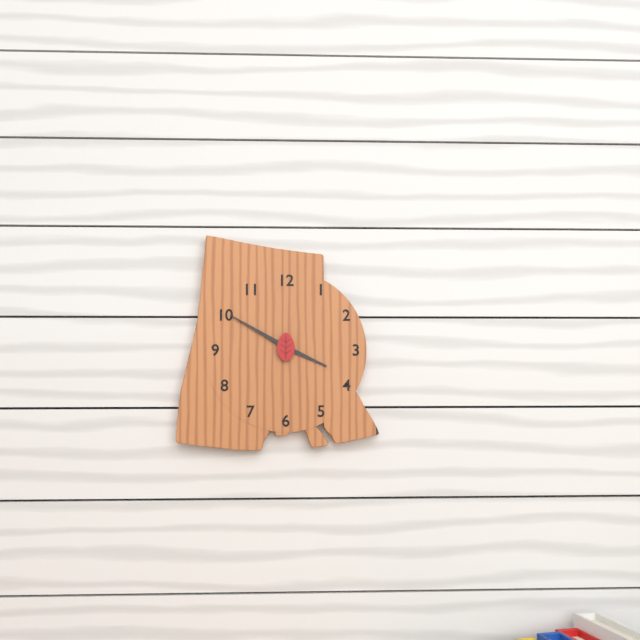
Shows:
3h50
